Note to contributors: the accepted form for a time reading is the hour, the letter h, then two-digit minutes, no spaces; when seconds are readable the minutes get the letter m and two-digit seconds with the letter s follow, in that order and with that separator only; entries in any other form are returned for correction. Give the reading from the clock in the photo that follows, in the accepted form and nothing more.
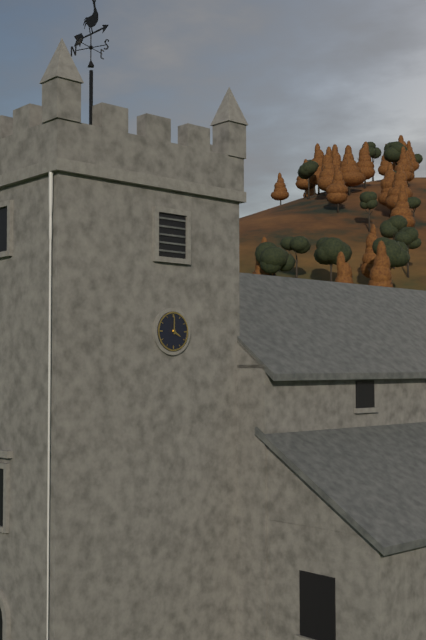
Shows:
4h00
